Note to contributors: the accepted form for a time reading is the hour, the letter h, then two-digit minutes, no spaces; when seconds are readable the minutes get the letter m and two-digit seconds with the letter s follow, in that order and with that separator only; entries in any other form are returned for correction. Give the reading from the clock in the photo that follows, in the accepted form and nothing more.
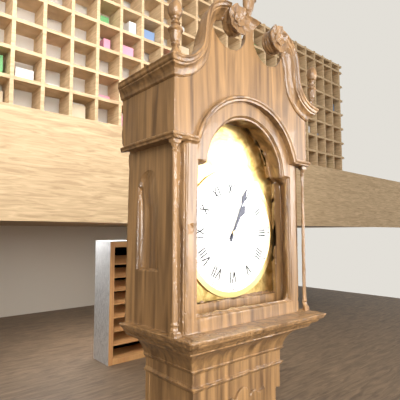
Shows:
1h04
